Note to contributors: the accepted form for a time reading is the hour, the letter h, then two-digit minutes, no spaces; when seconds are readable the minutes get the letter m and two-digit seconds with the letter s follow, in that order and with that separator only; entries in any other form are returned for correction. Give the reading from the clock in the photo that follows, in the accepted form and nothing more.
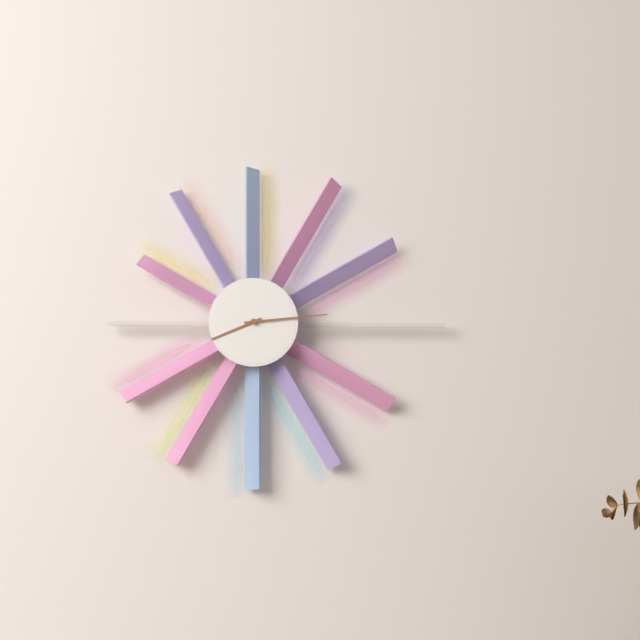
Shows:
8h14
